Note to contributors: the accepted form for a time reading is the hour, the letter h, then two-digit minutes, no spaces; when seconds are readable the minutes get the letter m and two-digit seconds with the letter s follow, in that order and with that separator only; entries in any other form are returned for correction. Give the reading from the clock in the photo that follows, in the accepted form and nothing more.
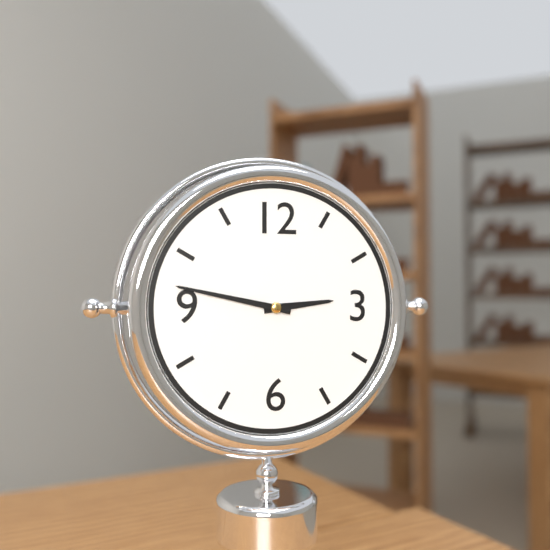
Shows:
2h47
